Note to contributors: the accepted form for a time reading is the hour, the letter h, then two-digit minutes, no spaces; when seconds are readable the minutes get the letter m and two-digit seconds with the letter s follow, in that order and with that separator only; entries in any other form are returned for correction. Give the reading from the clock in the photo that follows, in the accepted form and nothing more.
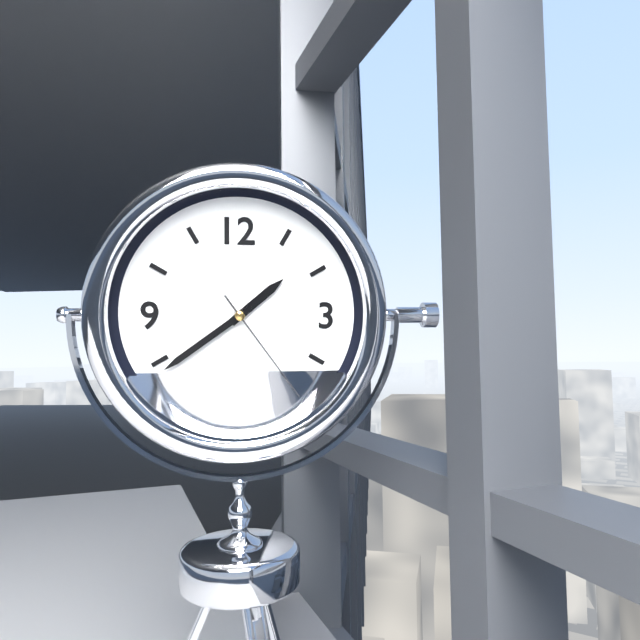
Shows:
1h39m24s
